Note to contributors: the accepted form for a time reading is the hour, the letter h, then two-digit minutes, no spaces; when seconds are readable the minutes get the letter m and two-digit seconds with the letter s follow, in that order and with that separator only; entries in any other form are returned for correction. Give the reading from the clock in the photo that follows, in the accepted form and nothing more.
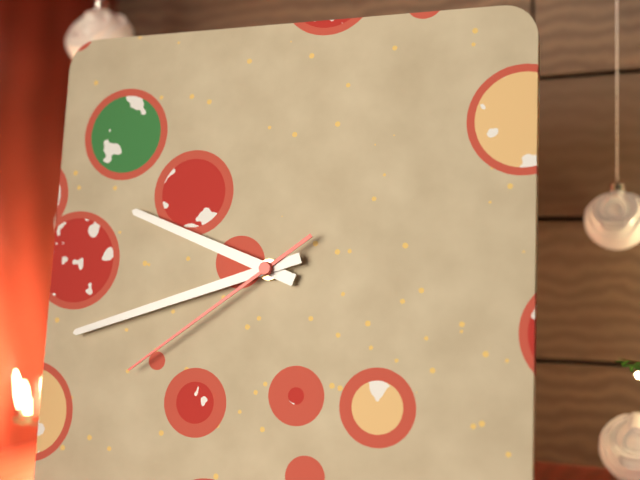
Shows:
9h42m39s
